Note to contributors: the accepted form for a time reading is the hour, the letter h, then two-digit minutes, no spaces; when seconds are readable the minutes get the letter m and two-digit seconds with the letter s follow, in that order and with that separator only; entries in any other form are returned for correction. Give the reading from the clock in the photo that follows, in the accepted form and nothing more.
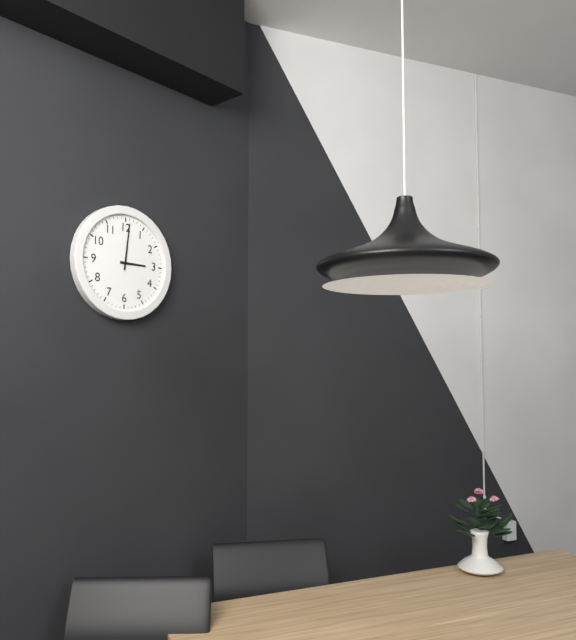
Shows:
3h01
